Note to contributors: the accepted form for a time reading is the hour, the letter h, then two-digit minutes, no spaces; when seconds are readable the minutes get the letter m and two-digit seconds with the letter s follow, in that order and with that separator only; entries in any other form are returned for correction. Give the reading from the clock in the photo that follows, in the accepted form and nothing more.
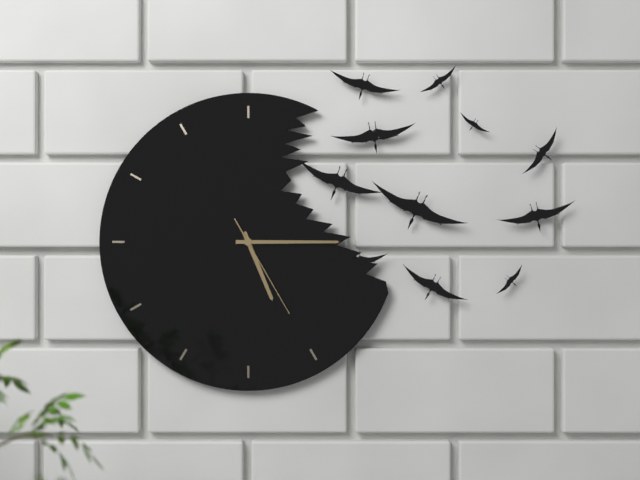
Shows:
5h15m25s
